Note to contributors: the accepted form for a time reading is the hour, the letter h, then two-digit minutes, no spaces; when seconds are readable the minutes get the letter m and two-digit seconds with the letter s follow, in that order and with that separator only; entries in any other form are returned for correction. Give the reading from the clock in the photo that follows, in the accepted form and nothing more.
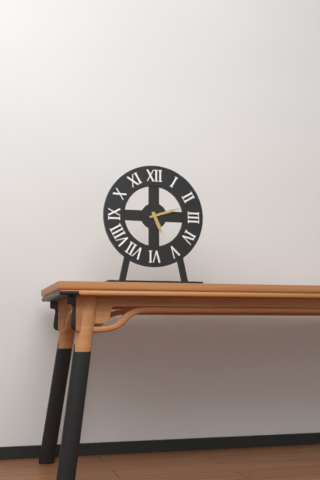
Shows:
5h12
